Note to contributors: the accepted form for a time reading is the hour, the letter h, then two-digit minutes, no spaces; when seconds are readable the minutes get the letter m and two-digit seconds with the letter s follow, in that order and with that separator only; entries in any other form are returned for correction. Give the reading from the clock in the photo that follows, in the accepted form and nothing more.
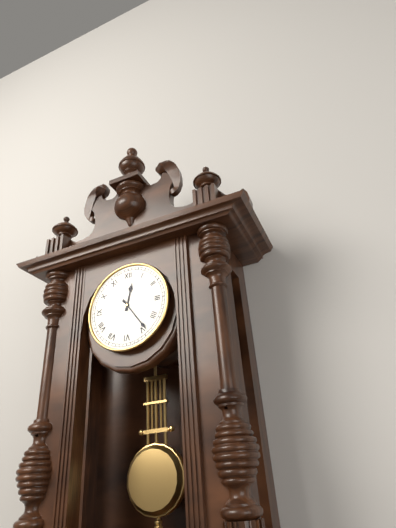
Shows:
12h24
